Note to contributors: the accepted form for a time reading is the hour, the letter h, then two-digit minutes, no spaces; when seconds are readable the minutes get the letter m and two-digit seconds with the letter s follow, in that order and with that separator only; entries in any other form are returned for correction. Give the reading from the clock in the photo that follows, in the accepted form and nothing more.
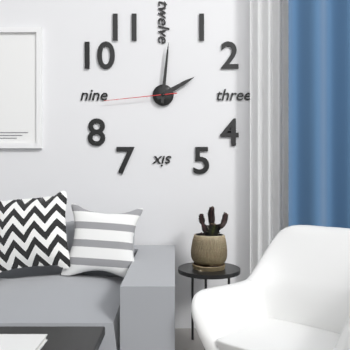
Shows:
2h01m44s
